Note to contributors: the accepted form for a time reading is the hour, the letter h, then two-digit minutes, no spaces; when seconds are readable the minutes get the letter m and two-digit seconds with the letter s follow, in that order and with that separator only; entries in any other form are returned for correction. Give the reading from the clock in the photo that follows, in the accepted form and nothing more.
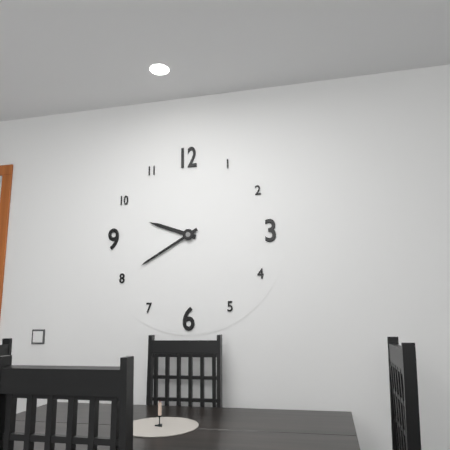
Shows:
9h40
